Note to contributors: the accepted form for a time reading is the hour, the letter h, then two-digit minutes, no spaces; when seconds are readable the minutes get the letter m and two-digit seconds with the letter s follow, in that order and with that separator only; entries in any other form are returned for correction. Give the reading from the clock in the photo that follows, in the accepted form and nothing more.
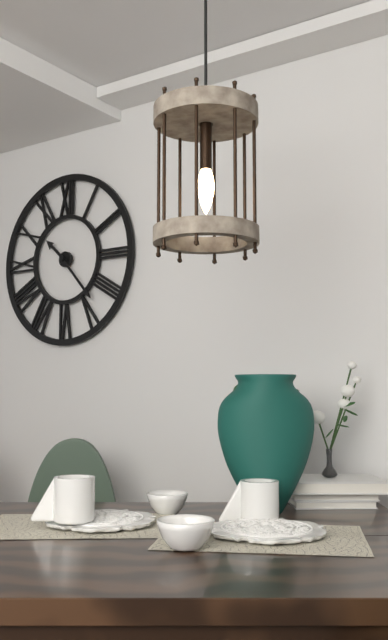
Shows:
10h23
